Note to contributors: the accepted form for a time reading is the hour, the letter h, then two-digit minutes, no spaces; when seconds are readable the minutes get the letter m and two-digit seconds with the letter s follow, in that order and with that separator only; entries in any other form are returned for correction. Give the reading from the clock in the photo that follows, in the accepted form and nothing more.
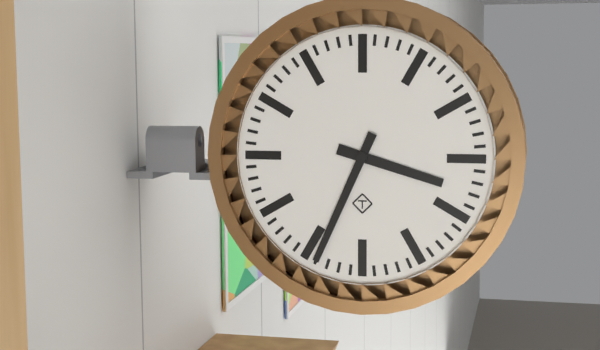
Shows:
3h34
